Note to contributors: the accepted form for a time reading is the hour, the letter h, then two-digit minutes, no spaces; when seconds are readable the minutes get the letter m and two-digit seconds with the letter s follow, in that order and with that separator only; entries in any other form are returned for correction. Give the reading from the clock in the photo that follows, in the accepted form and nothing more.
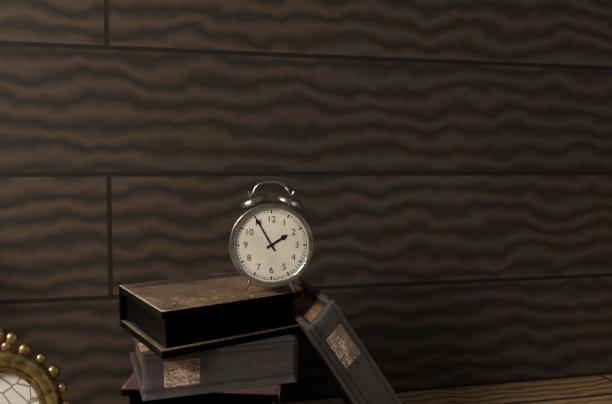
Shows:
1h55
